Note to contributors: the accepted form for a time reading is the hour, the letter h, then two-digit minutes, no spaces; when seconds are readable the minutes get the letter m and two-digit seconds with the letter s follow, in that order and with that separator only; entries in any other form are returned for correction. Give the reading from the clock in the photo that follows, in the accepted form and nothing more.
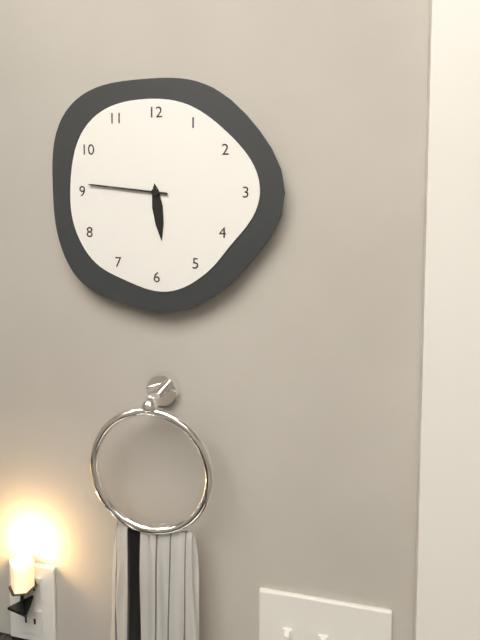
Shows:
5h46
